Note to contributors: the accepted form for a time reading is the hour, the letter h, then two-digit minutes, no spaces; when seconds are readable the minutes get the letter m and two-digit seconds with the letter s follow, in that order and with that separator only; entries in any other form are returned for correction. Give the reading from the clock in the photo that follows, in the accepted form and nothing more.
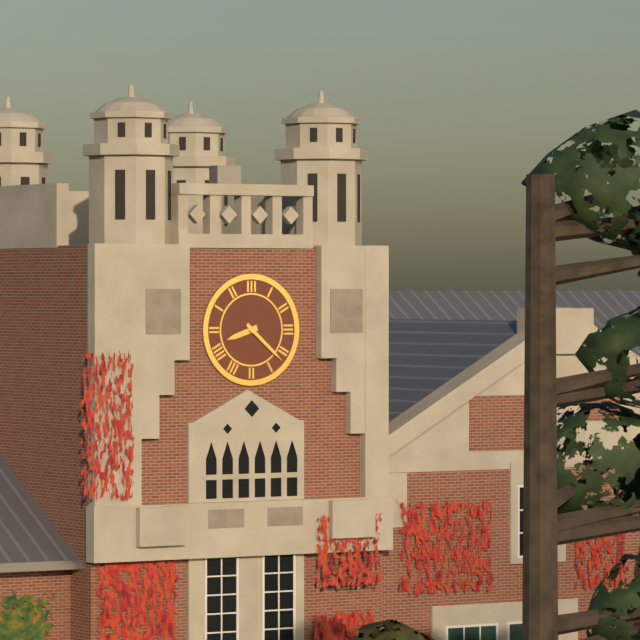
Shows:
8h22
